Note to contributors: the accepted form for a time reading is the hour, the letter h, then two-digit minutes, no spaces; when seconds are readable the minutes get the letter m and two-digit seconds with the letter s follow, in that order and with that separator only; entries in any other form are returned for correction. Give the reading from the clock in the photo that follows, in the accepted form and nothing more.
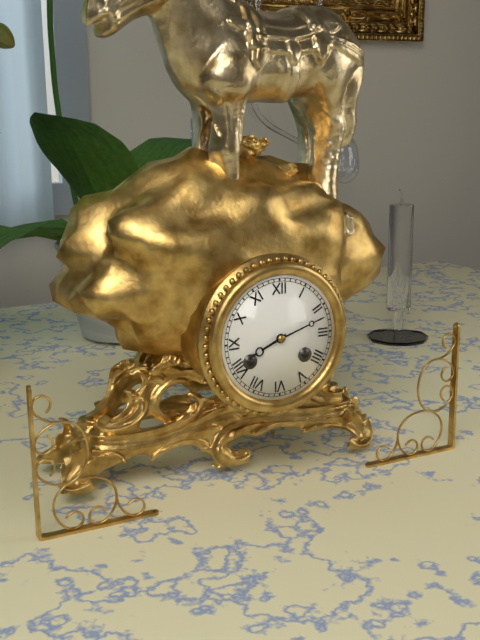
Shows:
8h12
